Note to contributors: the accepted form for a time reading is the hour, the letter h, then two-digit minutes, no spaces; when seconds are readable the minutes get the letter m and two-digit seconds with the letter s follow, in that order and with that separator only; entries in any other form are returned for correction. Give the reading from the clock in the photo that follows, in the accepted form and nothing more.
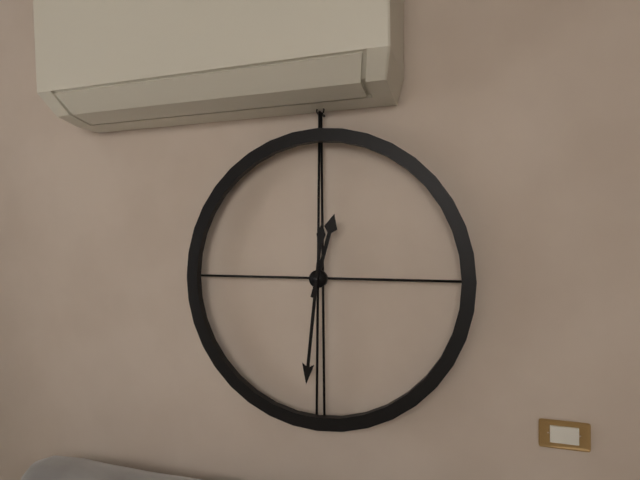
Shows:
12h31
